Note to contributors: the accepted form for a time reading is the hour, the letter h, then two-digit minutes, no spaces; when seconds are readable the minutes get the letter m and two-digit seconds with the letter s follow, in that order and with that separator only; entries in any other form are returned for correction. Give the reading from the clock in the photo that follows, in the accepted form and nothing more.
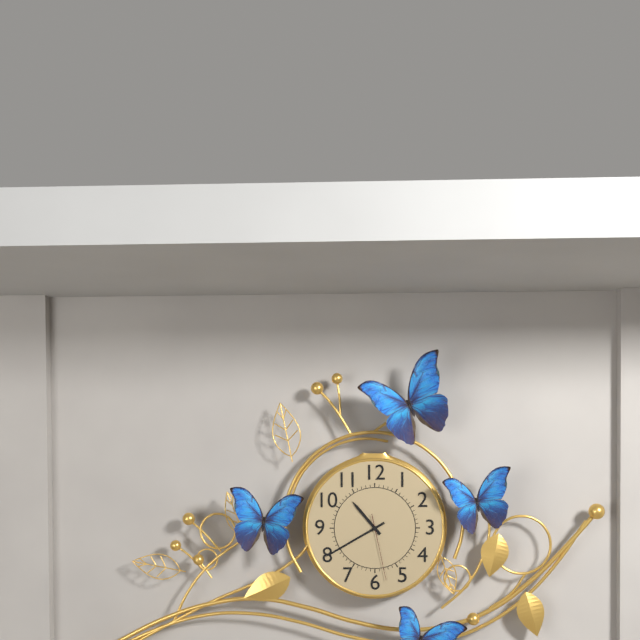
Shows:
10h40m28s
